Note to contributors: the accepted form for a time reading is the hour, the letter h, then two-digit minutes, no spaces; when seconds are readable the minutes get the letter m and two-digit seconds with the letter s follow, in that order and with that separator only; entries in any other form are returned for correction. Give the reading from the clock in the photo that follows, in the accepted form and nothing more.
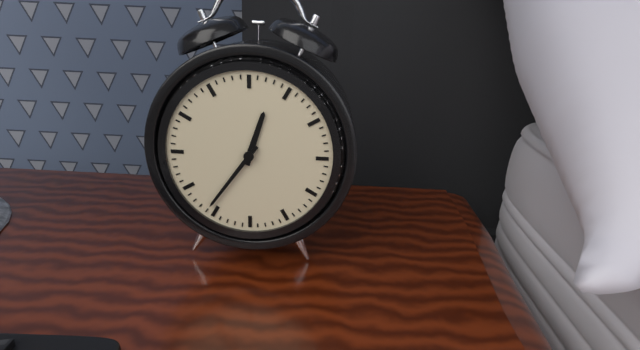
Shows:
12h36
